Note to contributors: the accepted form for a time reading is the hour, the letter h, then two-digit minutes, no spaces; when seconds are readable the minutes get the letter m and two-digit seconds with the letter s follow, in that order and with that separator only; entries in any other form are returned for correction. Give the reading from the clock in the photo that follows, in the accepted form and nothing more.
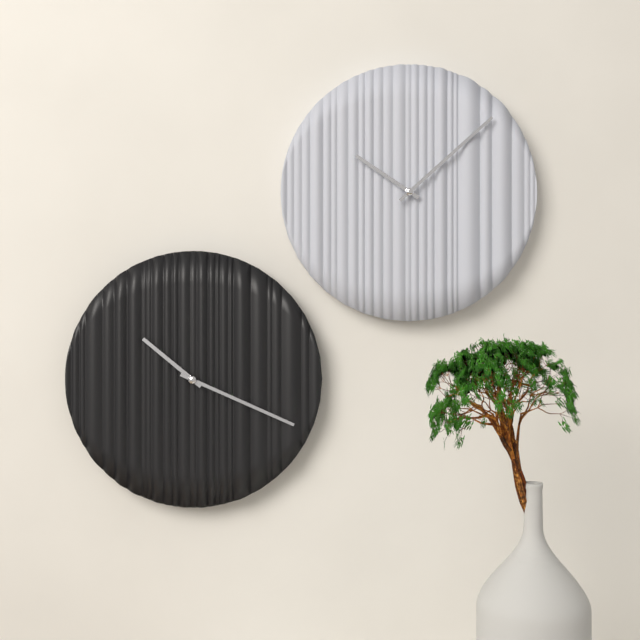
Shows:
10h19
